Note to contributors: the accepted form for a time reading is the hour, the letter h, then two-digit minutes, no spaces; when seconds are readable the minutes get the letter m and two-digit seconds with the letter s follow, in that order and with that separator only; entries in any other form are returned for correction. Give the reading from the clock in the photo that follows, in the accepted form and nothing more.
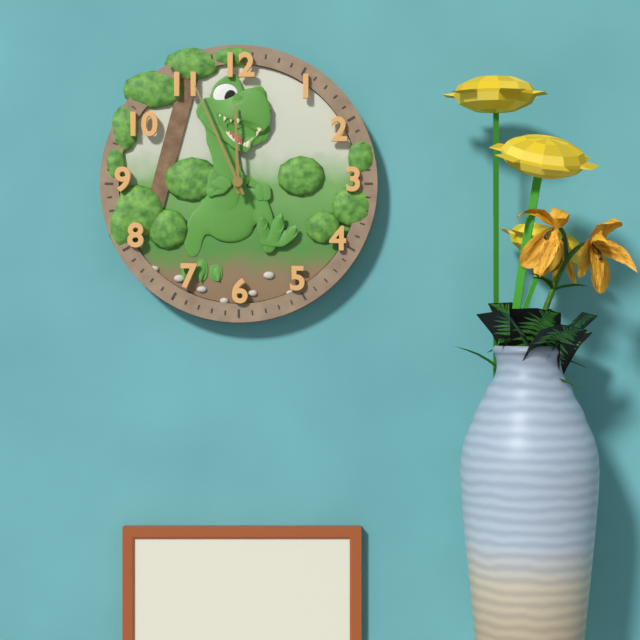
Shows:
11h56
